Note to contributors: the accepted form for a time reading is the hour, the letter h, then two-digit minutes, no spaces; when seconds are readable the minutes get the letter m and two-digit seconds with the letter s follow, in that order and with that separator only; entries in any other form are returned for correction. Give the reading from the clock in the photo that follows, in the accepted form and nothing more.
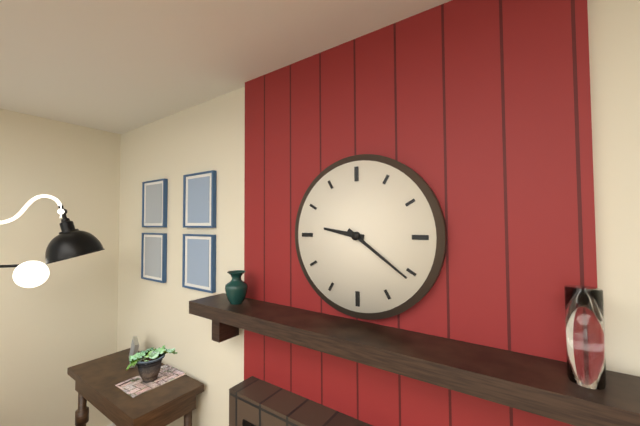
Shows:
9h21
